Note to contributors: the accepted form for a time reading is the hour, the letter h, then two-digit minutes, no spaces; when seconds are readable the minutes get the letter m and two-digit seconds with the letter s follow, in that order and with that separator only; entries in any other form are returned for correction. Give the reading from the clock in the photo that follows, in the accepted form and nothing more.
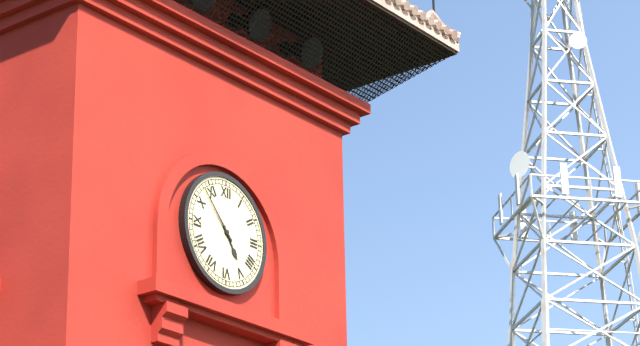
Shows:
4h53
